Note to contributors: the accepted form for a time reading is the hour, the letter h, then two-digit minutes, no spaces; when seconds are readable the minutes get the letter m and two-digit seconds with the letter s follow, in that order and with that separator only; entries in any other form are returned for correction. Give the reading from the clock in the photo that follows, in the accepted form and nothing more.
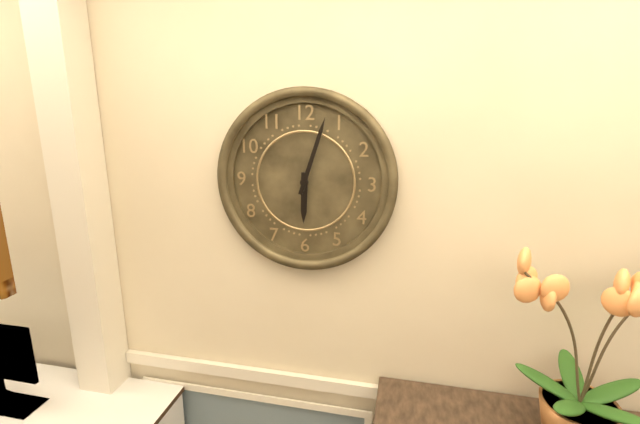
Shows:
6h03
